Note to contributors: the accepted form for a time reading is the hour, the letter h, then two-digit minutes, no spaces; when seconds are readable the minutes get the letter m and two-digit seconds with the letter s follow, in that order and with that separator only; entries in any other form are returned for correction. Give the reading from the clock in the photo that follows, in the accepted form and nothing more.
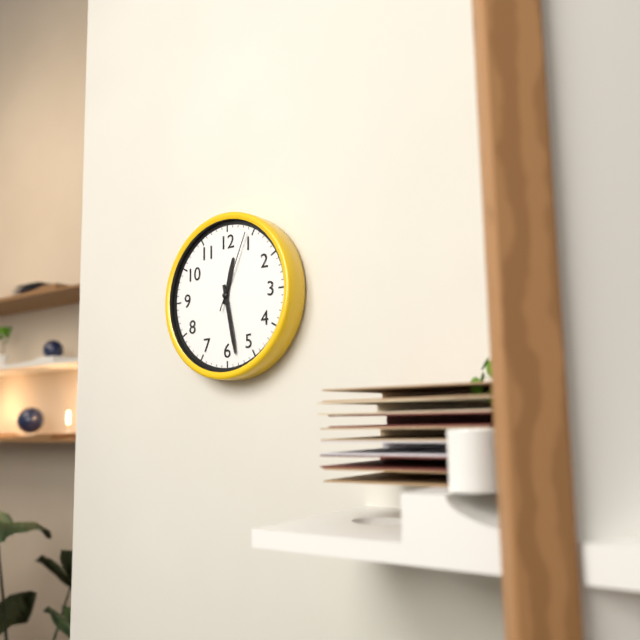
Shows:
12h28m04s
